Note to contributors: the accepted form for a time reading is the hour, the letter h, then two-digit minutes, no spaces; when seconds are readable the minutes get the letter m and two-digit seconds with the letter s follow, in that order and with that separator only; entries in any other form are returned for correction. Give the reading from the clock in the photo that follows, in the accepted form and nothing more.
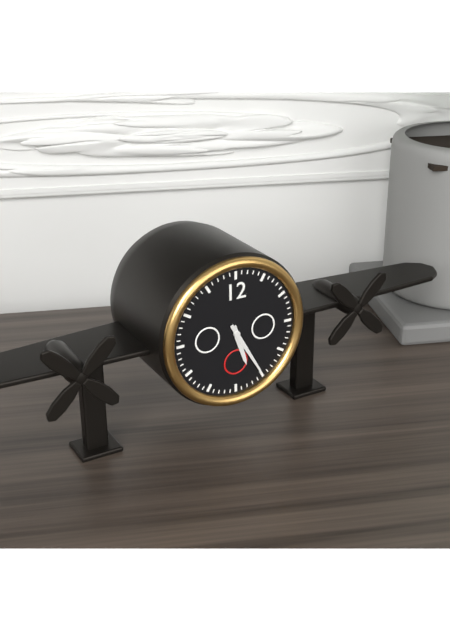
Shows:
5h25
